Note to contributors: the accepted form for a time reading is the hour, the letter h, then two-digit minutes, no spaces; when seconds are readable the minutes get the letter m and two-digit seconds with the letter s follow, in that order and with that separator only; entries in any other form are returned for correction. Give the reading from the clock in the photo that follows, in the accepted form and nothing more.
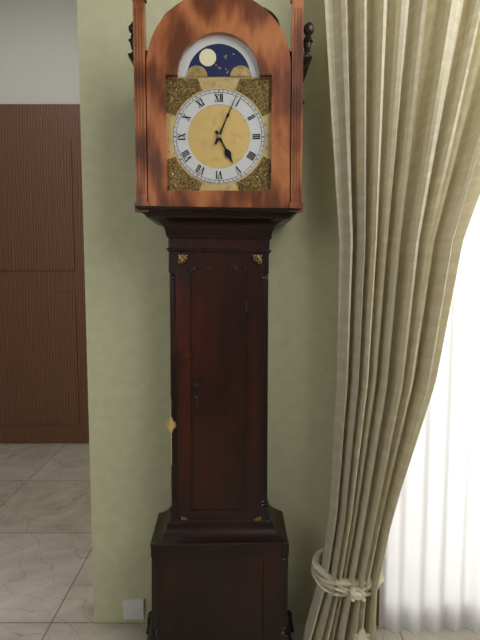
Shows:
5h04
